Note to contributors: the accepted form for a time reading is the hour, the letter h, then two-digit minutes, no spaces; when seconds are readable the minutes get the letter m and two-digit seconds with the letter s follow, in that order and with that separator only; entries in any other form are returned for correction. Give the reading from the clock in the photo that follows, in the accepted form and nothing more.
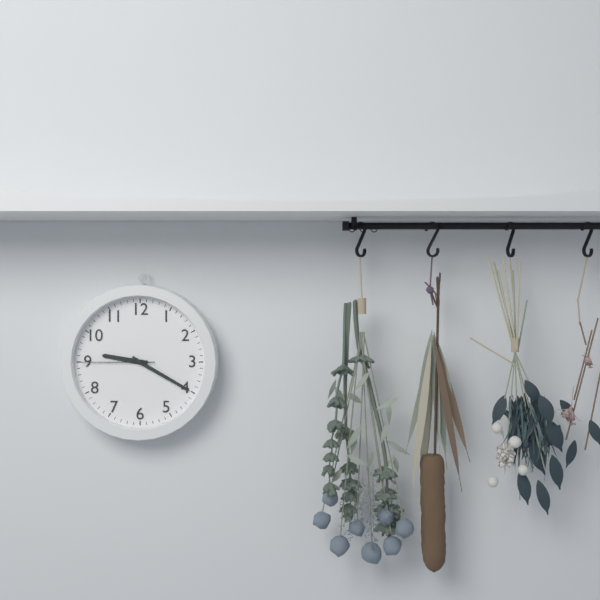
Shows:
9h20m45s
